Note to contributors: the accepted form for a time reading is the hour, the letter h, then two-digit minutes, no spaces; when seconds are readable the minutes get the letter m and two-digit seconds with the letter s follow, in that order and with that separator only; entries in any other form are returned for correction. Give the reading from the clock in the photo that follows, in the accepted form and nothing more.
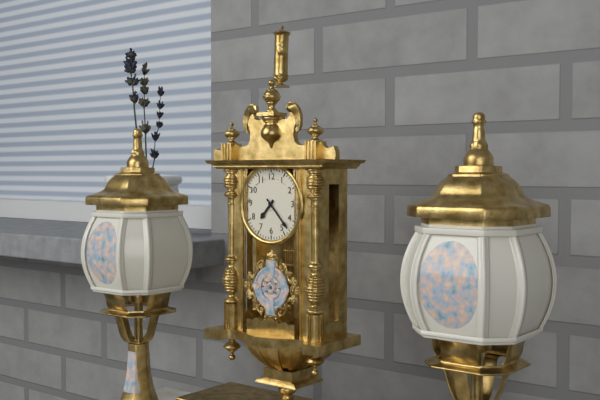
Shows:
7h23
